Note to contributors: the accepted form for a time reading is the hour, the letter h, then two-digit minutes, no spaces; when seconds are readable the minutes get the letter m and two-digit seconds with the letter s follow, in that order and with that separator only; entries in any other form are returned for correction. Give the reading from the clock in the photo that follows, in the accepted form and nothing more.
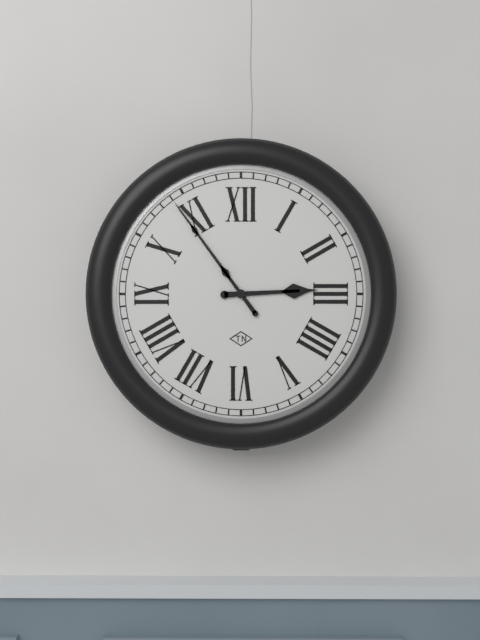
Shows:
2h54
